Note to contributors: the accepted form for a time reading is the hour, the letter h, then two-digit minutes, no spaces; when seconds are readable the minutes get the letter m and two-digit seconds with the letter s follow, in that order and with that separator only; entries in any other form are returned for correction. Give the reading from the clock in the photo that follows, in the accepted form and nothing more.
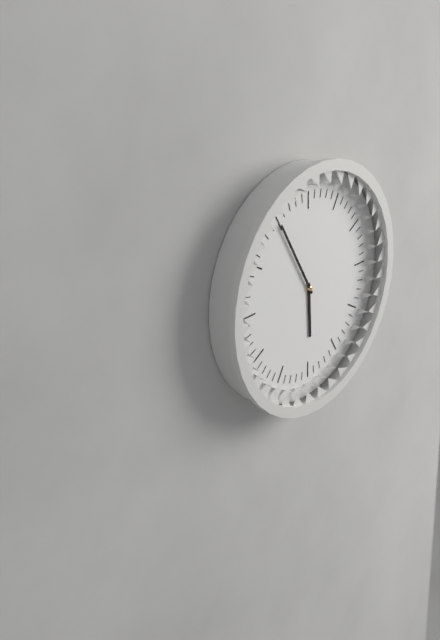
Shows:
5h55
